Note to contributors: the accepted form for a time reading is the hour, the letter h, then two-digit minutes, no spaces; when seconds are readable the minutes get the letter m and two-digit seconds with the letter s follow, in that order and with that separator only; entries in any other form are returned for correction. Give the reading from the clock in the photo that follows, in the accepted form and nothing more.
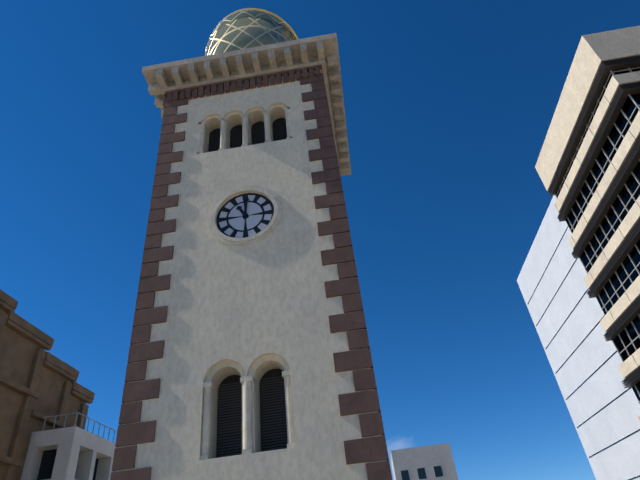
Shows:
11h01
